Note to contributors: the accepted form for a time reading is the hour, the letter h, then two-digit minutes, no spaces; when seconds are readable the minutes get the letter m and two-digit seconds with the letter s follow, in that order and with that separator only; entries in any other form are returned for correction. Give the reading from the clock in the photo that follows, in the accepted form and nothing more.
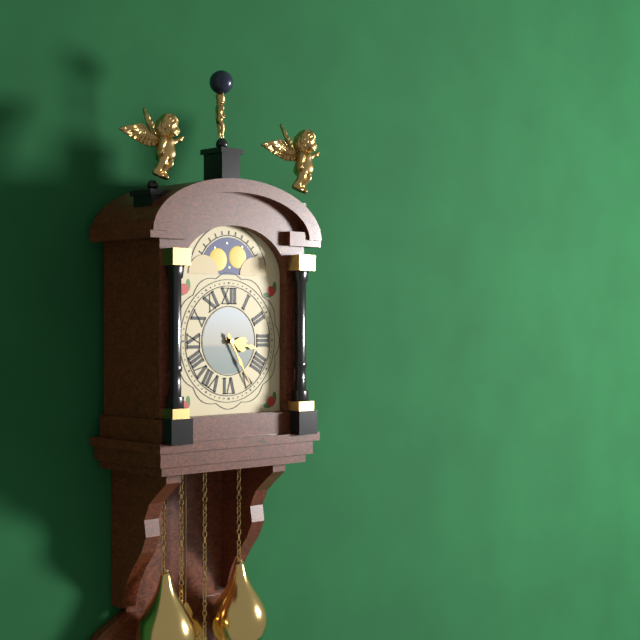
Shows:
3h25
